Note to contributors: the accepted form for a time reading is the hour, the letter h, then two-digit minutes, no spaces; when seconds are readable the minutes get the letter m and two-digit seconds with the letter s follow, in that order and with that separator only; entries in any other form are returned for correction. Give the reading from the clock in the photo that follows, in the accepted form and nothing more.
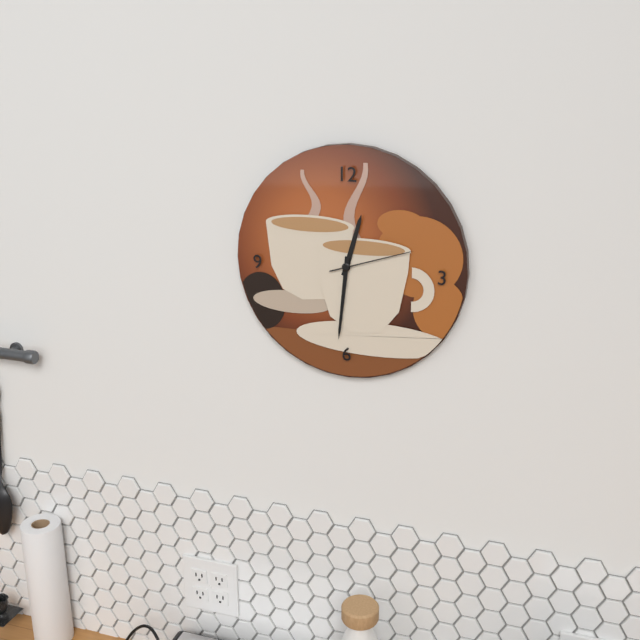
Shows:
12h31m12s
